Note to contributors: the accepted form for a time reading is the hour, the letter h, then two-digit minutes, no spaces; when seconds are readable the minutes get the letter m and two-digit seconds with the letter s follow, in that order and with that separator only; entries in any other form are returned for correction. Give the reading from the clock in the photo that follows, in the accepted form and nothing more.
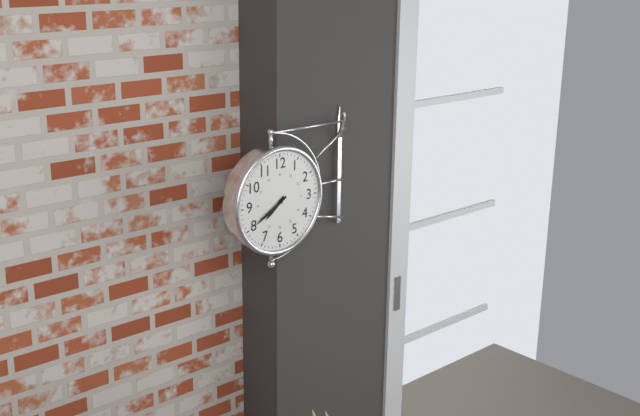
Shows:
7h40
